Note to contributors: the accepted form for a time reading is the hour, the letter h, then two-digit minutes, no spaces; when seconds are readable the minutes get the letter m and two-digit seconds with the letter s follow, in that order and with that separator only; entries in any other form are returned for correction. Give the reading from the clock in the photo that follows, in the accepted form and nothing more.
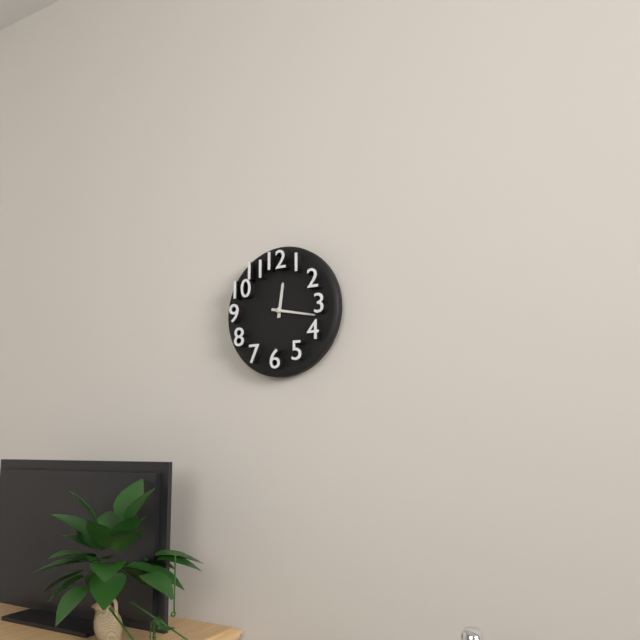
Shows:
12h17
